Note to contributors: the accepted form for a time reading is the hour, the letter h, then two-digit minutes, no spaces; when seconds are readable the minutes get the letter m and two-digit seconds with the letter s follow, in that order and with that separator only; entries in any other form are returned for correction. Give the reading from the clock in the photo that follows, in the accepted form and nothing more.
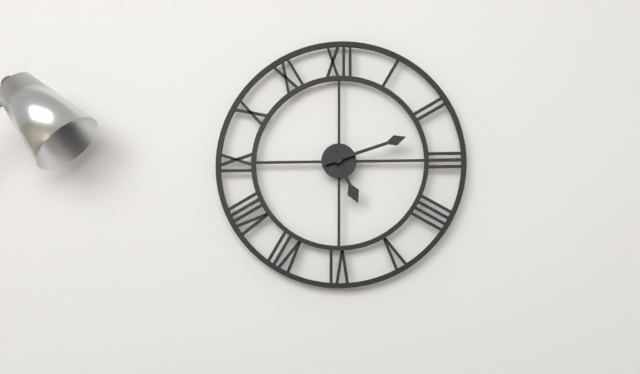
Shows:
5h12
